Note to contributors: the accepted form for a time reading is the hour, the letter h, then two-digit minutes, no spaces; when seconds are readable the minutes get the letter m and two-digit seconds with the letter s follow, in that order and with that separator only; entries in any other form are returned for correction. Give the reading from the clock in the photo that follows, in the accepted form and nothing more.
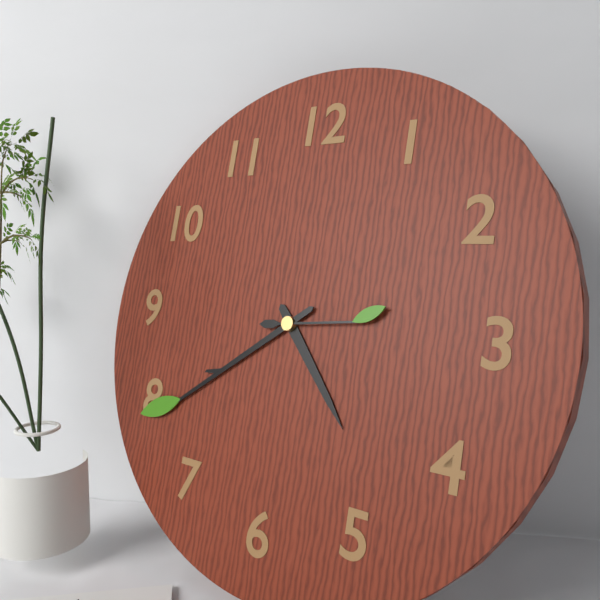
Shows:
4h39m14s
